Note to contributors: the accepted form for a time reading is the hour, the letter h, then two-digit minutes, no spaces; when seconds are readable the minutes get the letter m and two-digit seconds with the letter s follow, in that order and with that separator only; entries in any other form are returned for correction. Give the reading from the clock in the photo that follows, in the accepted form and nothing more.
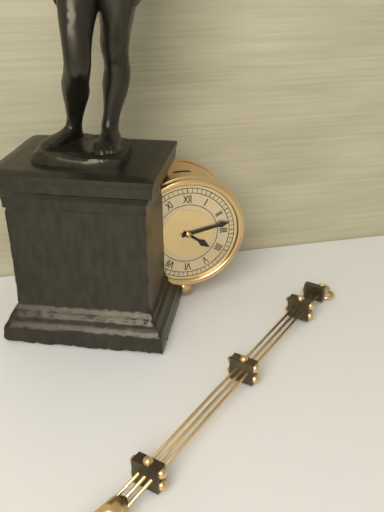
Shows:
4h13
